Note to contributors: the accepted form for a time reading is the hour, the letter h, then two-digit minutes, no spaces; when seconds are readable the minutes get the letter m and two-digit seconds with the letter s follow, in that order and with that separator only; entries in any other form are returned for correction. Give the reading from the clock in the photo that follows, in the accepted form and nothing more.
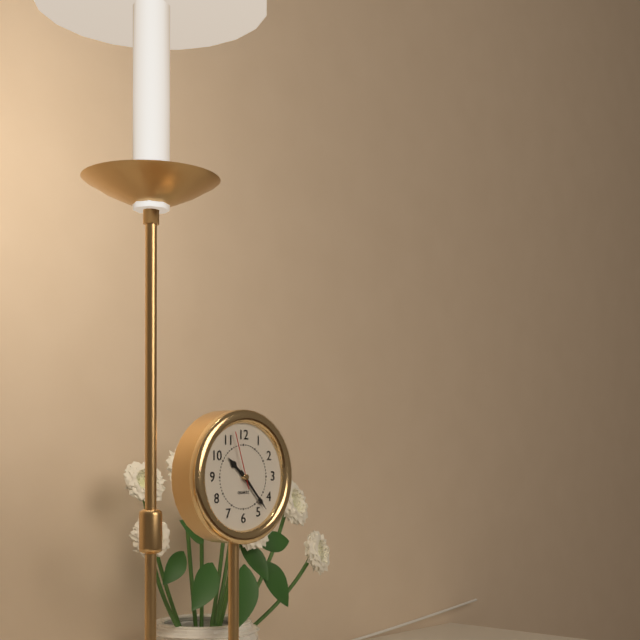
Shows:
10h23m57s
